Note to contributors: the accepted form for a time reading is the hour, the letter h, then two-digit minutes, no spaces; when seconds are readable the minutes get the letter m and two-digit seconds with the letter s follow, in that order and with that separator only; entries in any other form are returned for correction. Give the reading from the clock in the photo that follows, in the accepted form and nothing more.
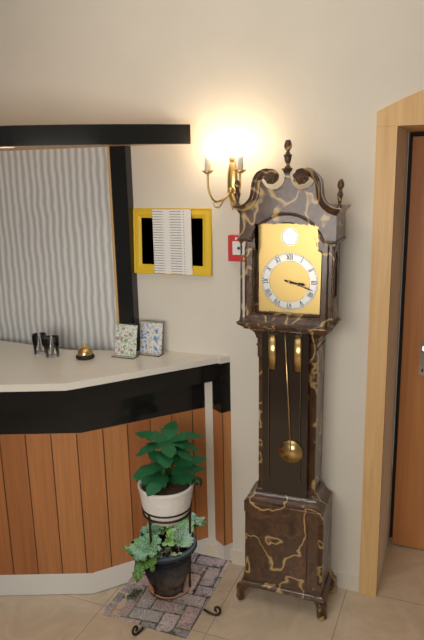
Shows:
3h18
